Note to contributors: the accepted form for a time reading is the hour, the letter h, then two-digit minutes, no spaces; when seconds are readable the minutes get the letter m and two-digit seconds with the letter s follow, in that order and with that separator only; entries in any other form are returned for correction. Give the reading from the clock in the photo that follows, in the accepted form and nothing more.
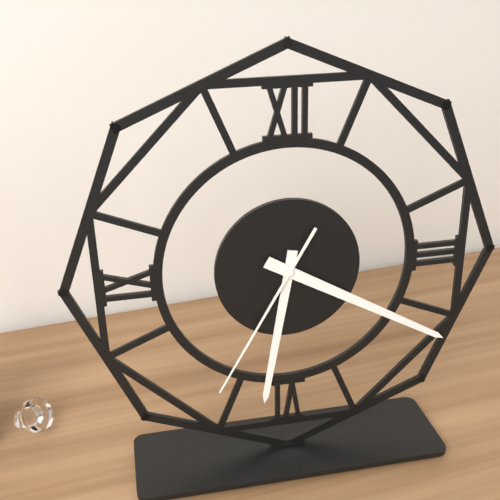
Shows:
6h20m35s
